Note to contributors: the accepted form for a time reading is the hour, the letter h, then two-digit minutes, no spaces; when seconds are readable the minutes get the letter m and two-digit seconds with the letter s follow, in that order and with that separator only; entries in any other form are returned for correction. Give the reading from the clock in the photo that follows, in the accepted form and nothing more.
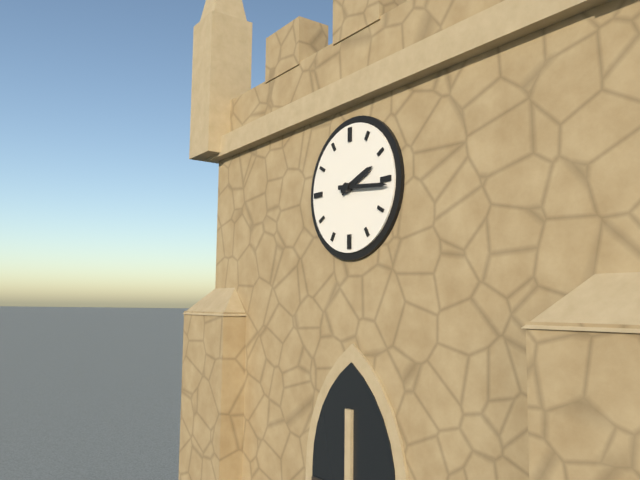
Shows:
2h16
